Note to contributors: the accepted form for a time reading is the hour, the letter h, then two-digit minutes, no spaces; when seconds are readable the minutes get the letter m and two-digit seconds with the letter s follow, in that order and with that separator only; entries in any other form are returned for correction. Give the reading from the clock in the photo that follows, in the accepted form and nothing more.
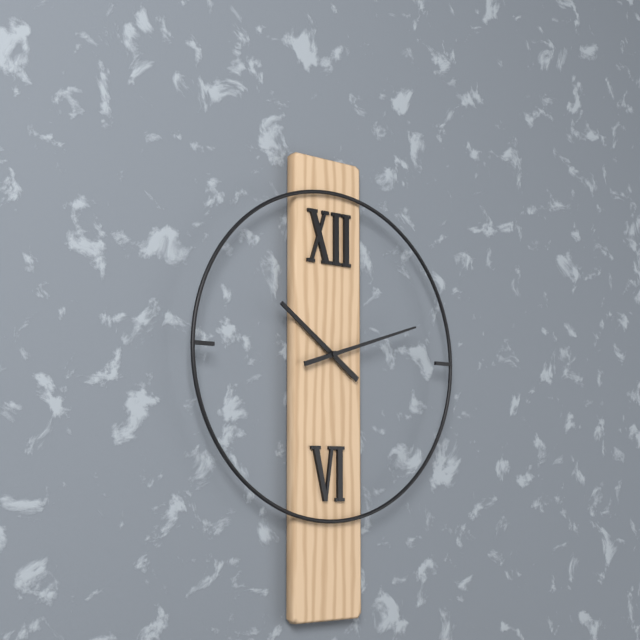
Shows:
10h12
